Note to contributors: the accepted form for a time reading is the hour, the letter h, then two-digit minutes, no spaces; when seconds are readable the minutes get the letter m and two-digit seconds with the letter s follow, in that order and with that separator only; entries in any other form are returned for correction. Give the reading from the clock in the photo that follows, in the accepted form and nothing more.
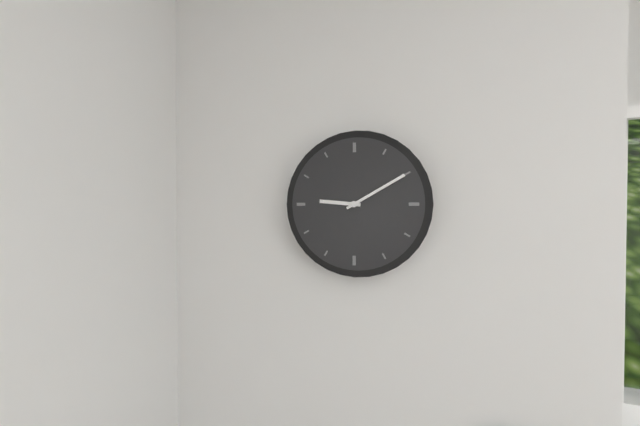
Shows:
9h10
